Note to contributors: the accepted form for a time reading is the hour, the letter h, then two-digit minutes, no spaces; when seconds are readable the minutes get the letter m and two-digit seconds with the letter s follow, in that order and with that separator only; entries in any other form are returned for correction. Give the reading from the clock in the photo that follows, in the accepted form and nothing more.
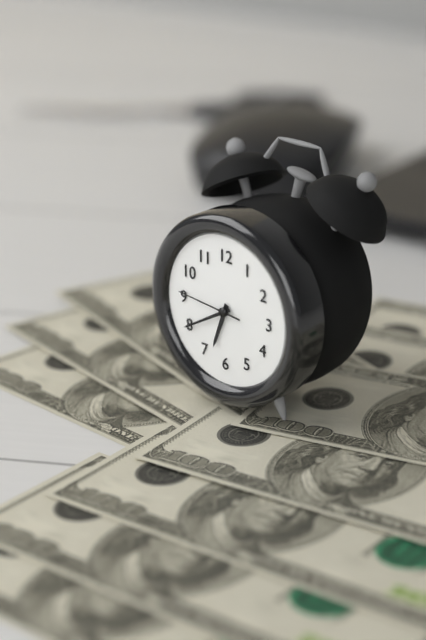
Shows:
6h40m46s
